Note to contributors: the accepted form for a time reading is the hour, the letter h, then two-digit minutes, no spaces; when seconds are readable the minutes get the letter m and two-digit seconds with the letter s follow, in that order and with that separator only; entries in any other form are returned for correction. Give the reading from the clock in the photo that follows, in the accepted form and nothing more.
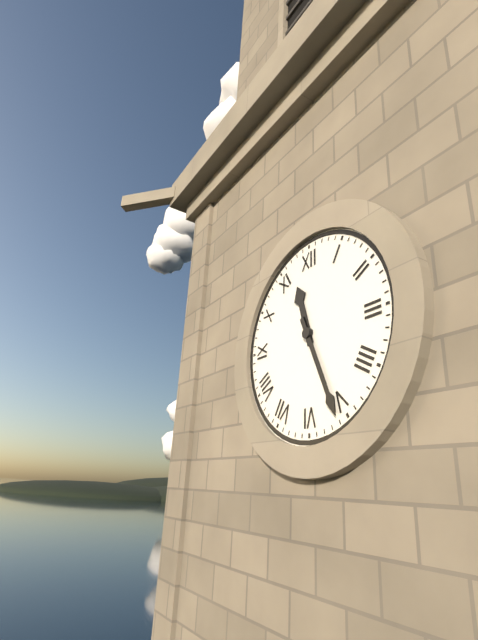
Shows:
11h26
